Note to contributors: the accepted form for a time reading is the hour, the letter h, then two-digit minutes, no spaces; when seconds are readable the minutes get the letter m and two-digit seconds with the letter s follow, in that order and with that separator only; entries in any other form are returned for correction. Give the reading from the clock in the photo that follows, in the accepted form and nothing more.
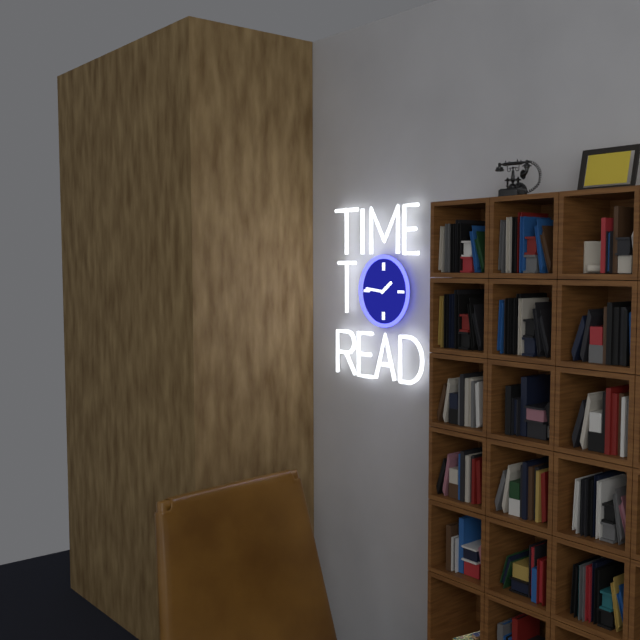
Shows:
1h46
